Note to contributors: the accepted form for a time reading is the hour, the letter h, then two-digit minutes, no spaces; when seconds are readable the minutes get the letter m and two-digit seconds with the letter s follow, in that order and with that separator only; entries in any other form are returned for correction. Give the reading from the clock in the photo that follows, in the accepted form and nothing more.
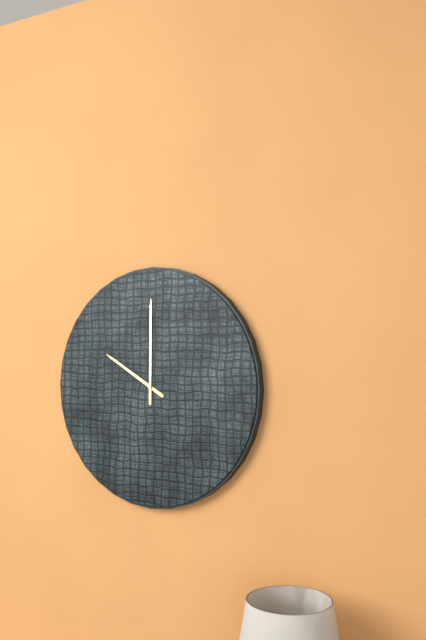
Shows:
10h00
